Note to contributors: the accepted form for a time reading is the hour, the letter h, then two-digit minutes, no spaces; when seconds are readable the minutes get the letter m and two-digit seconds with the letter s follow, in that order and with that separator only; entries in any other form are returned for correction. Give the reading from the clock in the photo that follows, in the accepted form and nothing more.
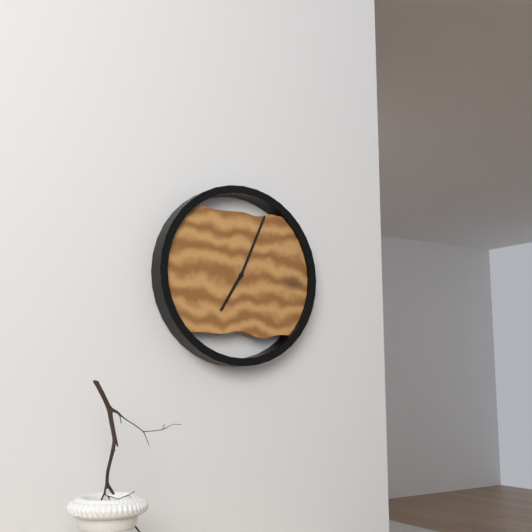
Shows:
7h04
